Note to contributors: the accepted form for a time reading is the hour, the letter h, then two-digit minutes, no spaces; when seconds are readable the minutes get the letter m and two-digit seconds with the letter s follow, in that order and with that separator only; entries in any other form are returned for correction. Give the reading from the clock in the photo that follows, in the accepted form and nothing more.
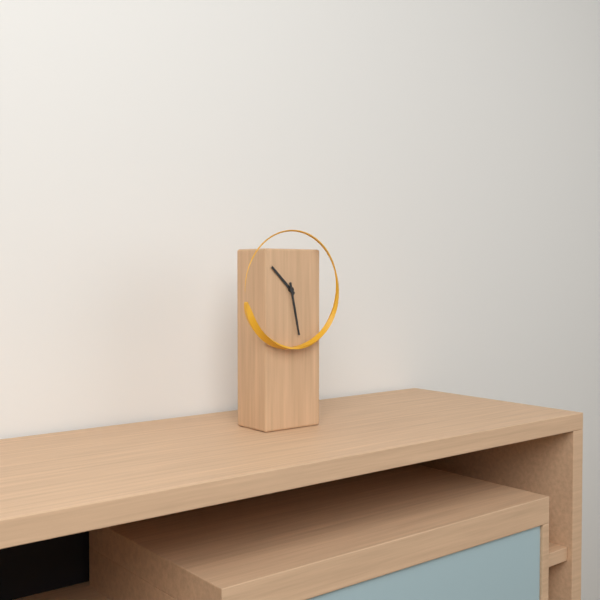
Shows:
10h28
